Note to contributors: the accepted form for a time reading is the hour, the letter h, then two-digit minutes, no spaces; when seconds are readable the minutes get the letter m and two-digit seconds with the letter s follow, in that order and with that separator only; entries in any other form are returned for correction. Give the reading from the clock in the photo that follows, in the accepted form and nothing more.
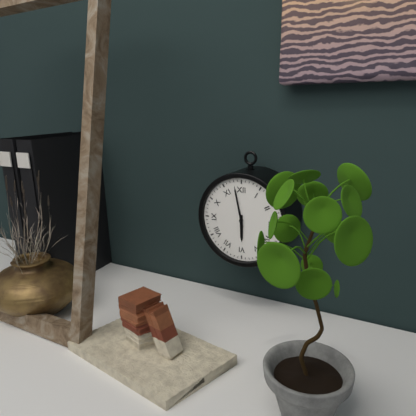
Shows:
5h58
